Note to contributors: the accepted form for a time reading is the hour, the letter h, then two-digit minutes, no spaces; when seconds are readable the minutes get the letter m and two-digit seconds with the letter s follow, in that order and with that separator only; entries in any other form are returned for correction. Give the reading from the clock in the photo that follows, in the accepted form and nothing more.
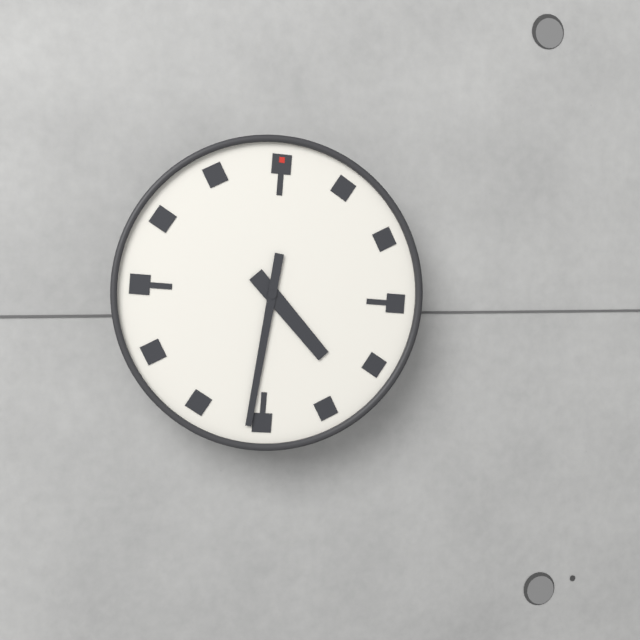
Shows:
4h31
